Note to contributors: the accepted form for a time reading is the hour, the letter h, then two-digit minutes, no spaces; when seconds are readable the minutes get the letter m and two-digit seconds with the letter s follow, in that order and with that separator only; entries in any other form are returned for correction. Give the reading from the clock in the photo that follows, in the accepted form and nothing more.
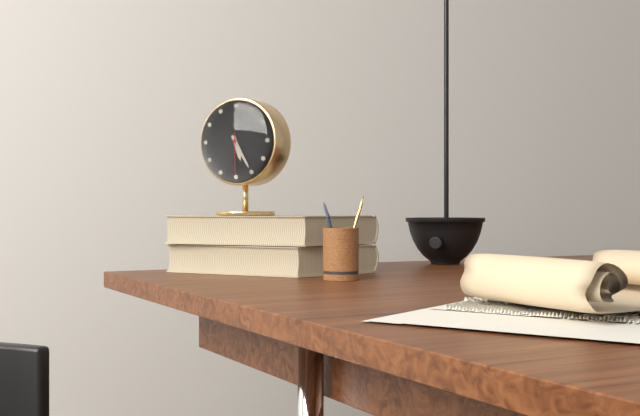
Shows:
5h25
